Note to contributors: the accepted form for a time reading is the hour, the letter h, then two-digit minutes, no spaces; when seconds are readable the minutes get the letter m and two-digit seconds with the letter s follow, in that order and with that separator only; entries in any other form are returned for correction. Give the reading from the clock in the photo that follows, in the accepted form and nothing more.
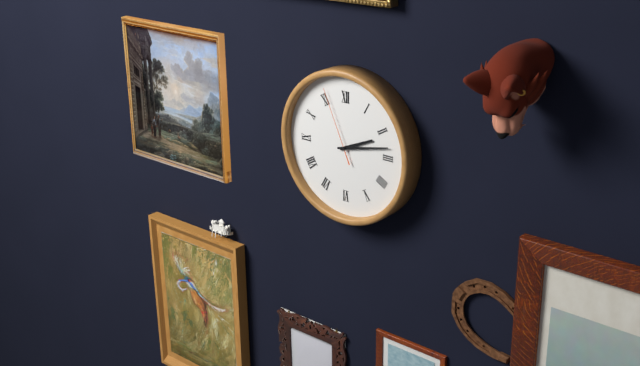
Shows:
2h13m56s
